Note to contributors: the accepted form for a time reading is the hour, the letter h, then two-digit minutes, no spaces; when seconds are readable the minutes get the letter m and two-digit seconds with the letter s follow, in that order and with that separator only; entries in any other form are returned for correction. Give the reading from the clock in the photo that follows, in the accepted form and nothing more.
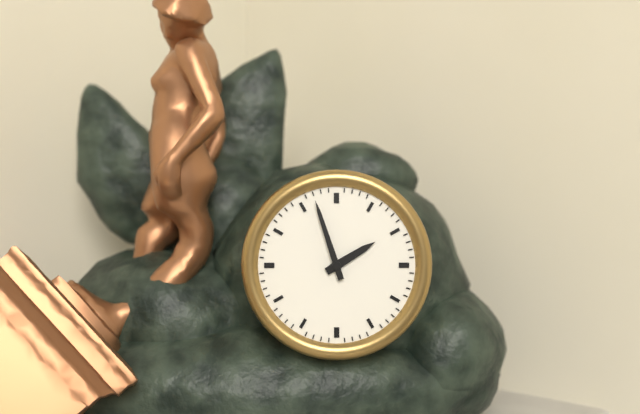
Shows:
1h57
